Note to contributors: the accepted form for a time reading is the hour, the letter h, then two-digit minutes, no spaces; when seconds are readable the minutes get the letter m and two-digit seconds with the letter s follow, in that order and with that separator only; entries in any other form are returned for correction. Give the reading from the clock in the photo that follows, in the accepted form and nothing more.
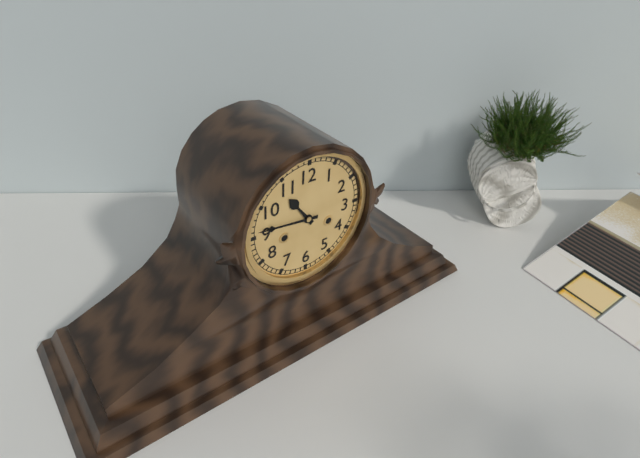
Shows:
10h46
